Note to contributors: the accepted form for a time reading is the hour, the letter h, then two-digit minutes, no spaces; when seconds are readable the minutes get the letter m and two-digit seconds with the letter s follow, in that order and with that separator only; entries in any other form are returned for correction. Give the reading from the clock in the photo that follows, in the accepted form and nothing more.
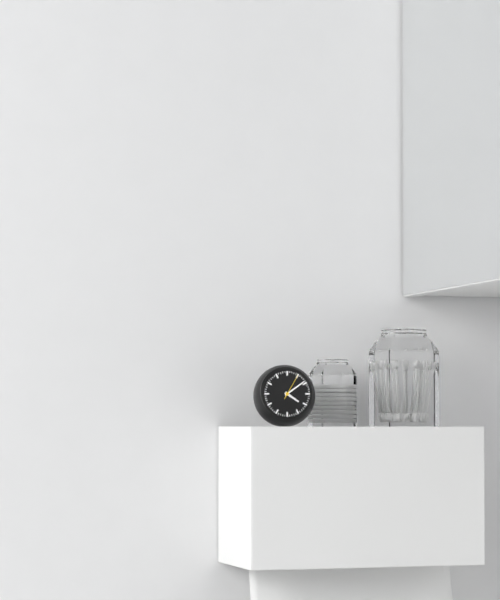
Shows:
4h09
